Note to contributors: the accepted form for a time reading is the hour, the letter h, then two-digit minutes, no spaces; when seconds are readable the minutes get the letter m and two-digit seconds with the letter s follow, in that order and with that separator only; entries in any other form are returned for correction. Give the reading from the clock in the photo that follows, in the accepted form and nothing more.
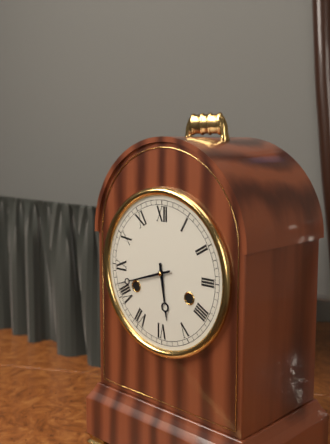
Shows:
5h42
